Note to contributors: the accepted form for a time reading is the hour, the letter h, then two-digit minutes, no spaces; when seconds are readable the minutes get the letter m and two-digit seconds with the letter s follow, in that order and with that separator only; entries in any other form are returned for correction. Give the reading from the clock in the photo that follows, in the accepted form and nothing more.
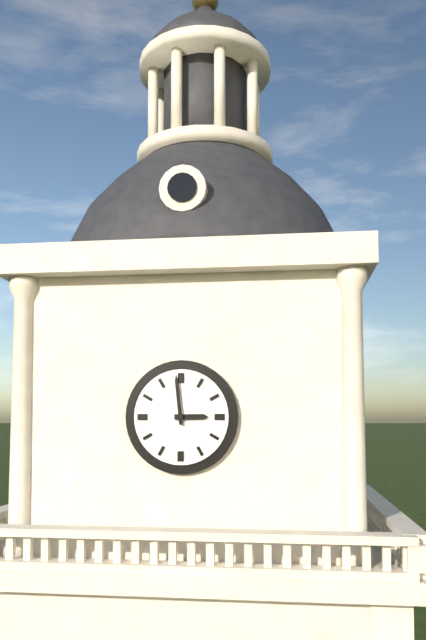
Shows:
2h59
